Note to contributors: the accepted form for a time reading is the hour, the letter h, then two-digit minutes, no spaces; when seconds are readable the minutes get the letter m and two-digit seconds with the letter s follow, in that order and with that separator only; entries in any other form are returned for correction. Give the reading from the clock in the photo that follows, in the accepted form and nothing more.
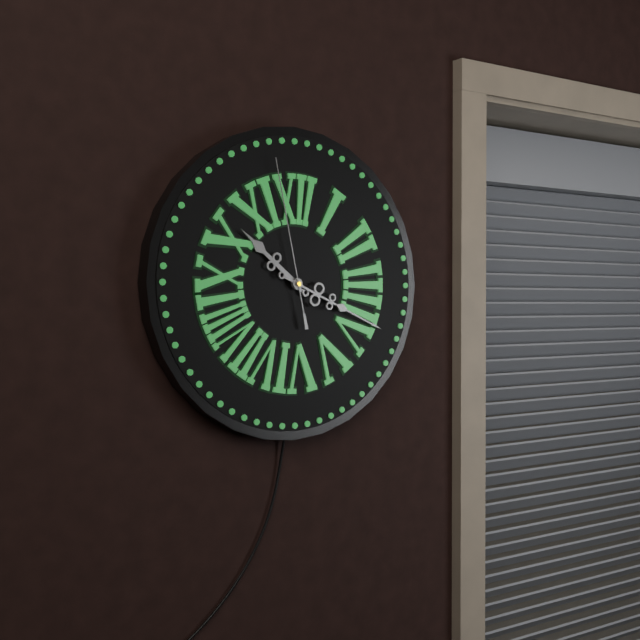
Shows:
10h19m58s
